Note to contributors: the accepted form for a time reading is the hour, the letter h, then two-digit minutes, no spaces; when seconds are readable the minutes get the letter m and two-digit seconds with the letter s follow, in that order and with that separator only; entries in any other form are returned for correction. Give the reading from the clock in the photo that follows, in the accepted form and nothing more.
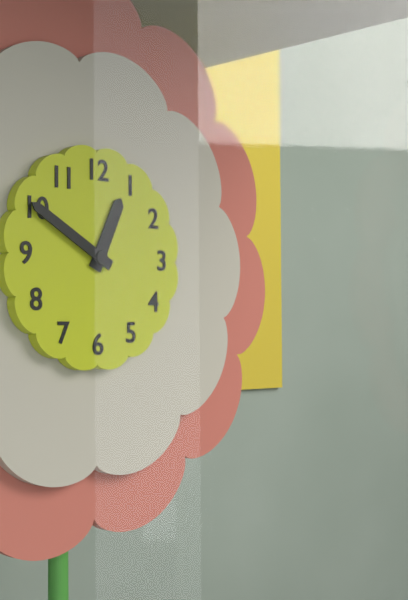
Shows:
12h50
